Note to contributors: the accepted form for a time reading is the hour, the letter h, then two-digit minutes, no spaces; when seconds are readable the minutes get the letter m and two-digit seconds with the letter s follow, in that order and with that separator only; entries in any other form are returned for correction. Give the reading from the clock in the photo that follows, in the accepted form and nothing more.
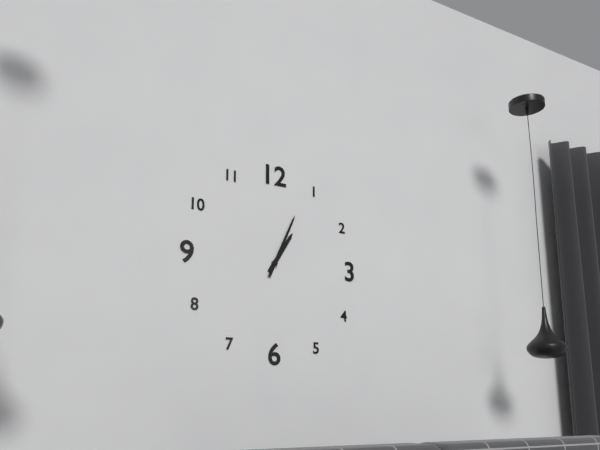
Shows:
1h04
